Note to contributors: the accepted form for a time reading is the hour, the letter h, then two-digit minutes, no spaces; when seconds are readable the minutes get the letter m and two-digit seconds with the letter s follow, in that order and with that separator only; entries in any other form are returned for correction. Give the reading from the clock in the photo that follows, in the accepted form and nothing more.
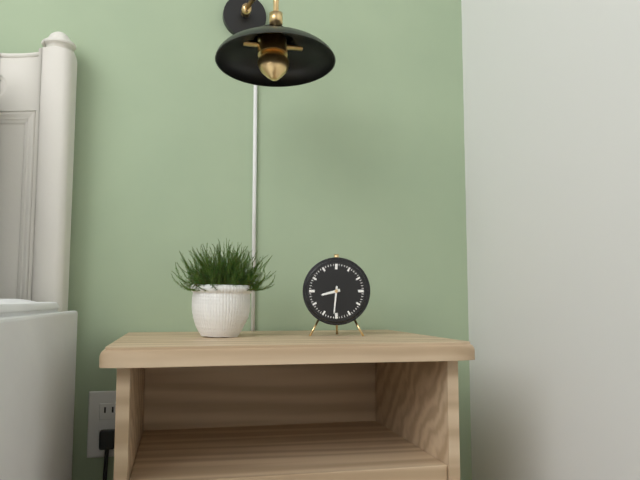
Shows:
8h31
